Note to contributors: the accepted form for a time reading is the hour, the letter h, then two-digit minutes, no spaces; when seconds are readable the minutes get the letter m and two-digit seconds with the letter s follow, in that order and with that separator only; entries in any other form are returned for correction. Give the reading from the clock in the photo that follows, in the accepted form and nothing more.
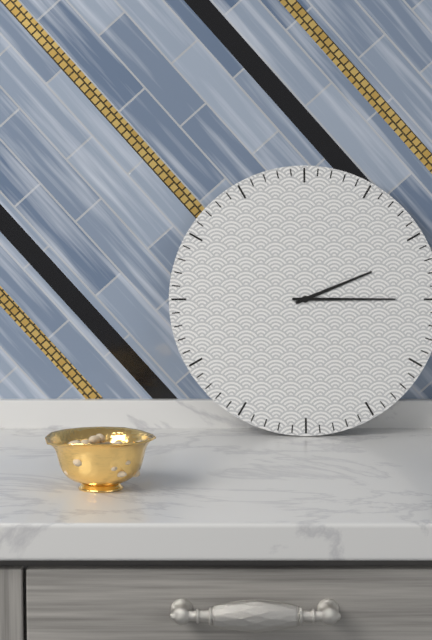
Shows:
2h15
